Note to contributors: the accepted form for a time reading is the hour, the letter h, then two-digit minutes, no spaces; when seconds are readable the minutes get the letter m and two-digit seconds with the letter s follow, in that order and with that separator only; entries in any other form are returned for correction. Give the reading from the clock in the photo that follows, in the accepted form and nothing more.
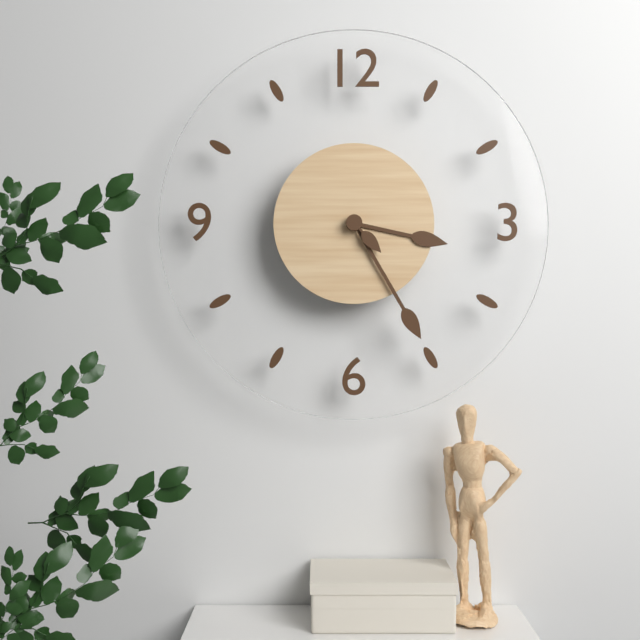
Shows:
3h25
